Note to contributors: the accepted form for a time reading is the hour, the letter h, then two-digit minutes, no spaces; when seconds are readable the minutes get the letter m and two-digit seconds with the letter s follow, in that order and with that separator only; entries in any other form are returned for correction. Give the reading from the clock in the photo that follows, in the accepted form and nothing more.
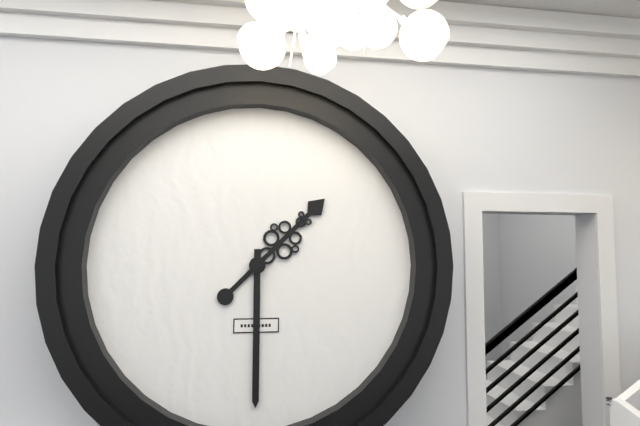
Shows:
1h30
